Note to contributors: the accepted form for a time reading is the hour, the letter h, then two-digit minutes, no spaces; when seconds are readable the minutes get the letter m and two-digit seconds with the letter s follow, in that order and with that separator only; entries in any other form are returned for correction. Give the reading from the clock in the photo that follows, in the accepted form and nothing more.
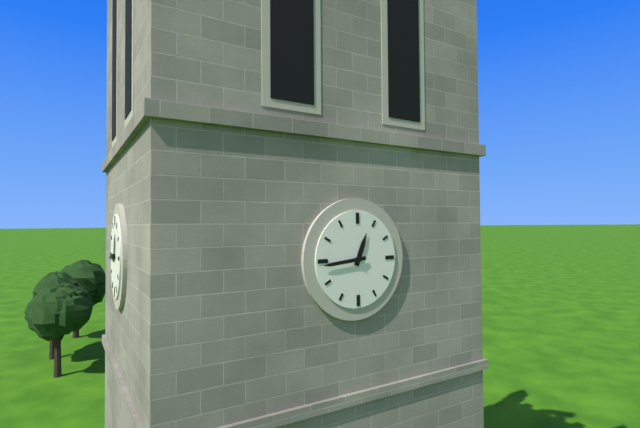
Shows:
12h44
